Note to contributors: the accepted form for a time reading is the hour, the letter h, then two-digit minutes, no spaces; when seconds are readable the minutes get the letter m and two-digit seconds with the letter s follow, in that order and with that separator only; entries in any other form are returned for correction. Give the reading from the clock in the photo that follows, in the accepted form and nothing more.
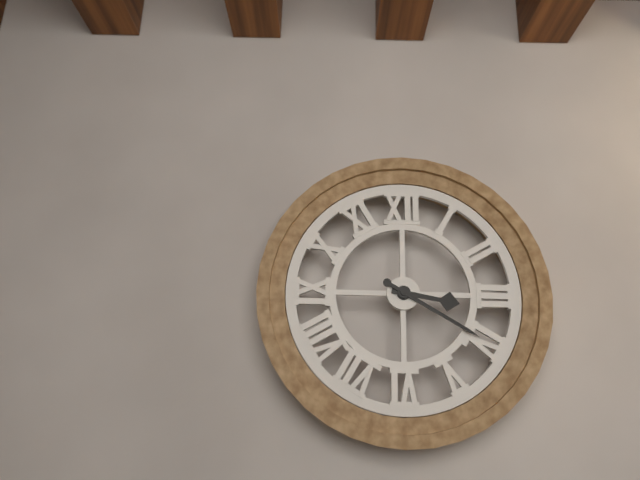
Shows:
3h20
